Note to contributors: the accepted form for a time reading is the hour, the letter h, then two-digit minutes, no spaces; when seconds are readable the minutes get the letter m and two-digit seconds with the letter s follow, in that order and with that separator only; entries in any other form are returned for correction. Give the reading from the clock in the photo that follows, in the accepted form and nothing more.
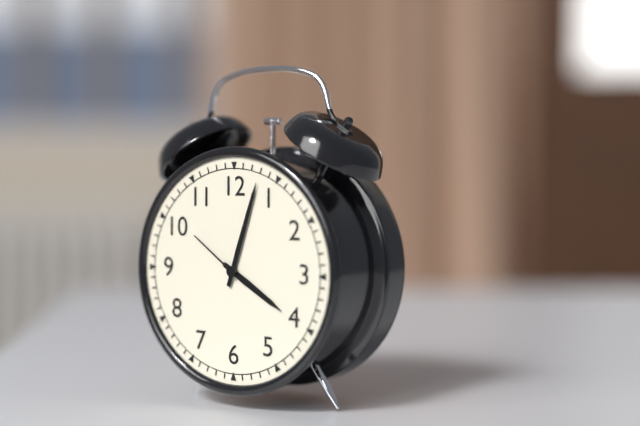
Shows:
4h03m51s
